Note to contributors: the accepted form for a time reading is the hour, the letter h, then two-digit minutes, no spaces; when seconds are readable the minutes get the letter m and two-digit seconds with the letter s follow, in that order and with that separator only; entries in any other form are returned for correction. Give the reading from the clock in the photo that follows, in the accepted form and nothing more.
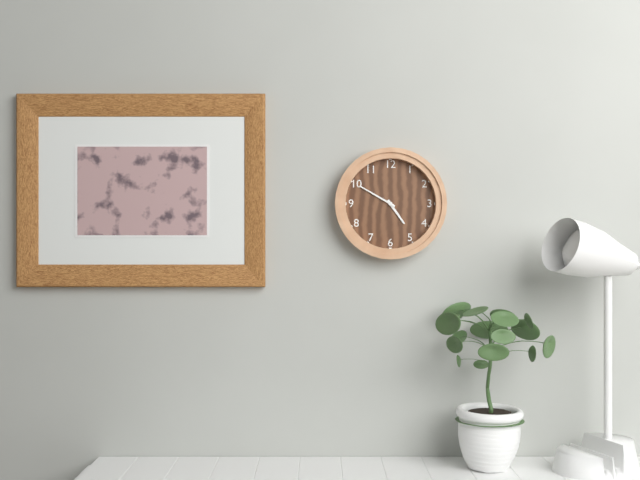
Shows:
4h50
